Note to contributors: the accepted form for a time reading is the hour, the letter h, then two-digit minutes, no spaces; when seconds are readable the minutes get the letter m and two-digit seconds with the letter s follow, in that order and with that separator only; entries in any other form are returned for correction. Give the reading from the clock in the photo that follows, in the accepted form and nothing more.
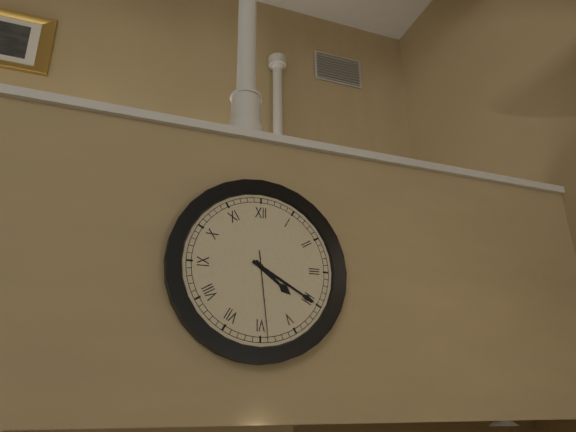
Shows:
4h20m29s
